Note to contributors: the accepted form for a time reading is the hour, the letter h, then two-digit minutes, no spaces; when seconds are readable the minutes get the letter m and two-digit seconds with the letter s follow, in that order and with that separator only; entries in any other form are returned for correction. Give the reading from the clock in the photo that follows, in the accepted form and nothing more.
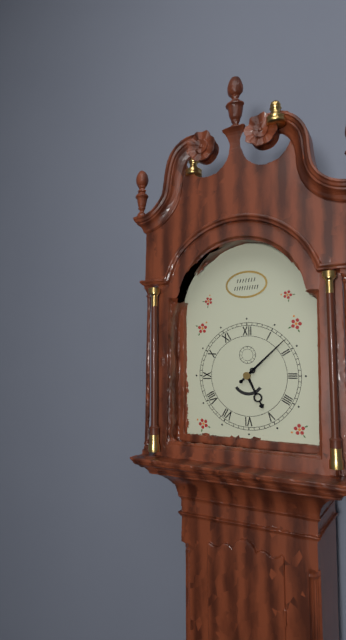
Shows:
5h08
